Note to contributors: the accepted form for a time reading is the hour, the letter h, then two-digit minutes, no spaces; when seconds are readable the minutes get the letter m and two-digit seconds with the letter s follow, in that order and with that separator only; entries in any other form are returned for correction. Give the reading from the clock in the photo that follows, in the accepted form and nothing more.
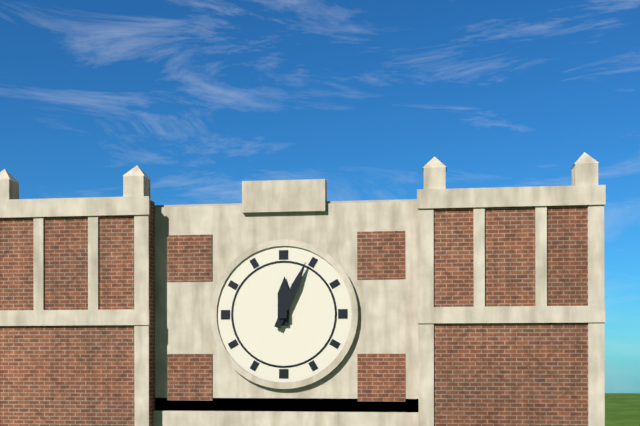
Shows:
12h04
